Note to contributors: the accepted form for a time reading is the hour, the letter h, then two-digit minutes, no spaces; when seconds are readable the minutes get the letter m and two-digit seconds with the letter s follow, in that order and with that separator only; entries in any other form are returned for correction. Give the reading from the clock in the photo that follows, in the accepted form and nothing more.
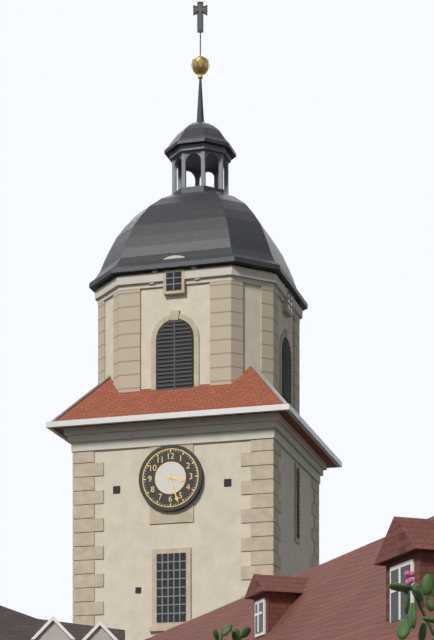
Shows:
3h27
